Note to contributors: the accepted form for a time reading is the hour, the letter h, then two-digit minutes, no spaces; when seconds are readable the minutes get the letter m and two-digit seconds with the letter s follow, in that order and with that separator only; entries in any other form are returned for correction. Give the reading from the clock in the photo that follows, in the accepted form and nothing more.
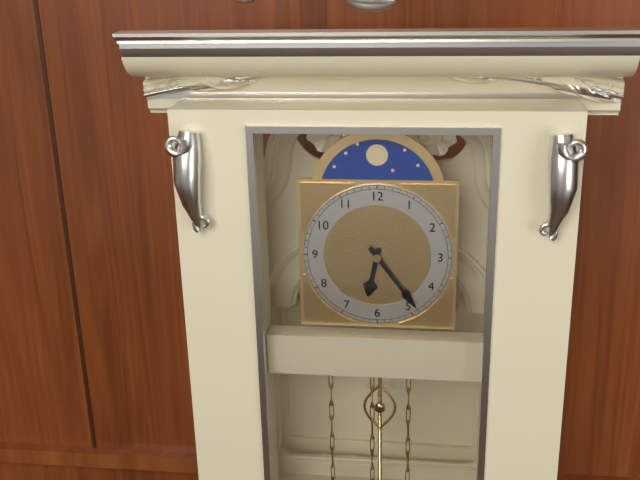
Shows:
6h24
